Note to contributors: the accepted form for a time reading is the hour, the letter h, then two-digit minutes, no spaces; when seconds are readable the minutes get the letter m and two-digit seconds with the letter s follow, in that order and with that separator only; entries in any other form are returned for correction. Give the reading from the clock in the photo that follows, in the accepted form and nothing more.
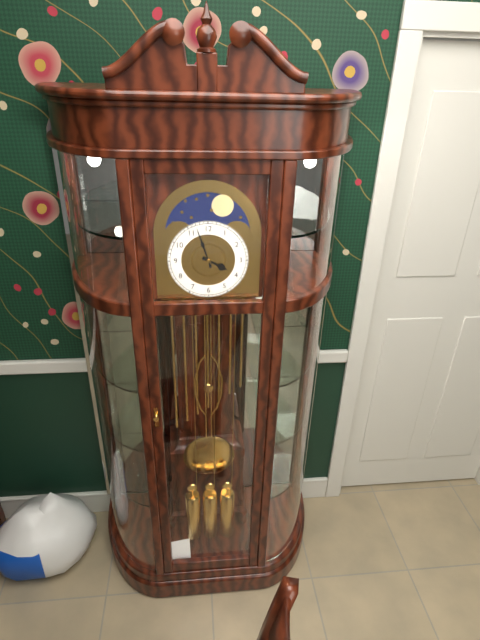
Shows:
3h57
